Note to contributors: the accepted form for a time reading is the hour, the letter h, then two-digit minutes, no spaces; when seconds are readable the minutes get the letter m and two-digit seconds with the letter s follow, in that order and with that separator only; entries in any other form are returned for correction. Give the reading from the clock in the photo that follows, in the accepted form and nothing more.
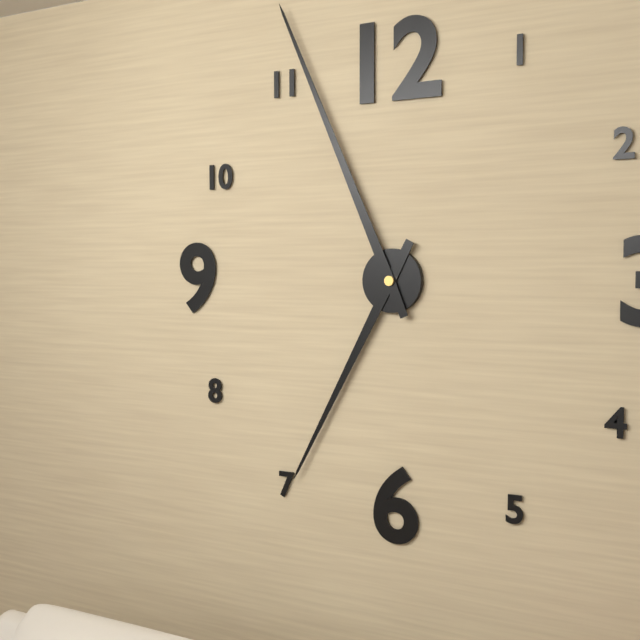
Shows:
6h56
